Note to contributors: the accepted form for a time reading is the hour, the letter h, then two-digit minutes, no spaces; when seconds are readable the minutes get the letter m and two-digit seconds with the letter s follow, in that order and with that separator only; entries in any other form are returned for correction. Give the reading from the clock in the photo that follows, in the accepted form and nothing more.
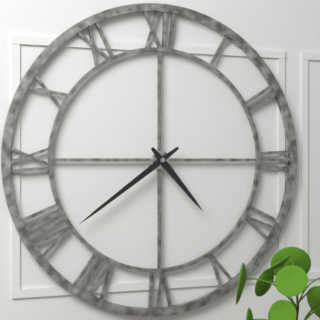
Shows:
4h39
